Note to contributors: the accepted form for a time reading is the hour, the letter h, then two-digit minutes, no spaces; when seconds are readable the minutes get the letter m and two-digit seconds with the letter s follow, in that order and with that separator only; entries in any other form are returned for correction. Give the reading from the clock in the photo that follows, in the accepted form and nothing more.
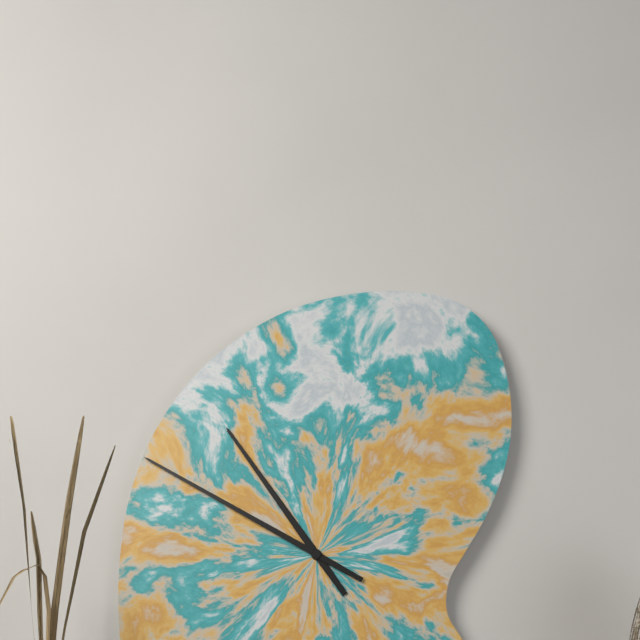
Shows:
10h50
